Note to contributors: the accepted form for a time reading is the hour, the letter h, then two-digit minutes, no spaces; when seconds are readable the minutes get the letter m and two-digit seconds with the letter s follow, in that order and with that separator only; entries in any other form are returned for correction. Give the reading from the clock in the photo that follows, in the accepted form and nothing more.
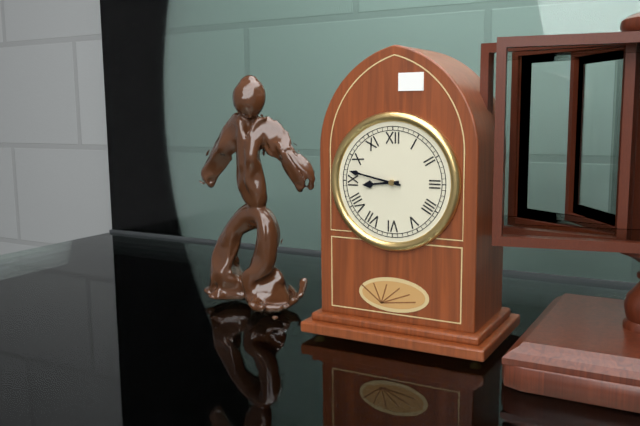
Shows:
8h47
